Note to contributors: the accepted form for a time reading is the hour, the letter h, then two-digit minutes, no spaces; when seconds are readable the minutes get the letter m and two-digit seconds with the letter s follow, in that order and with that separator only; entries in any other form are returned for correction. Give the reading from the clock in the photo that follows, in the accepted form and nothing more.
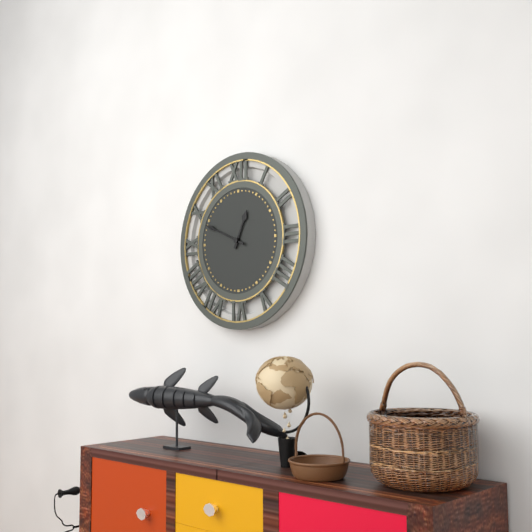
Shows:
12h49
